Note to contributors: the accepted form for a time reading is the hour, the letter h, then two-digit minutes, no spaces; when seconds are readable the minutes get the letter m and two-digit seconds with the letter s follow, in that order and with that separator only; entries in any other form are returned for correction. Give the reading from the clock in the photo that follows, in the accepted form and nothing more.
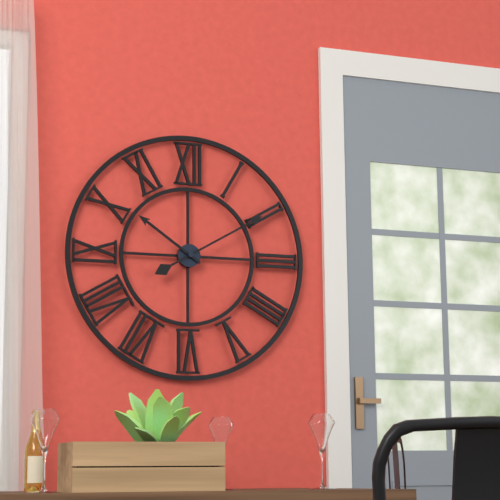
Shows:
10h10
